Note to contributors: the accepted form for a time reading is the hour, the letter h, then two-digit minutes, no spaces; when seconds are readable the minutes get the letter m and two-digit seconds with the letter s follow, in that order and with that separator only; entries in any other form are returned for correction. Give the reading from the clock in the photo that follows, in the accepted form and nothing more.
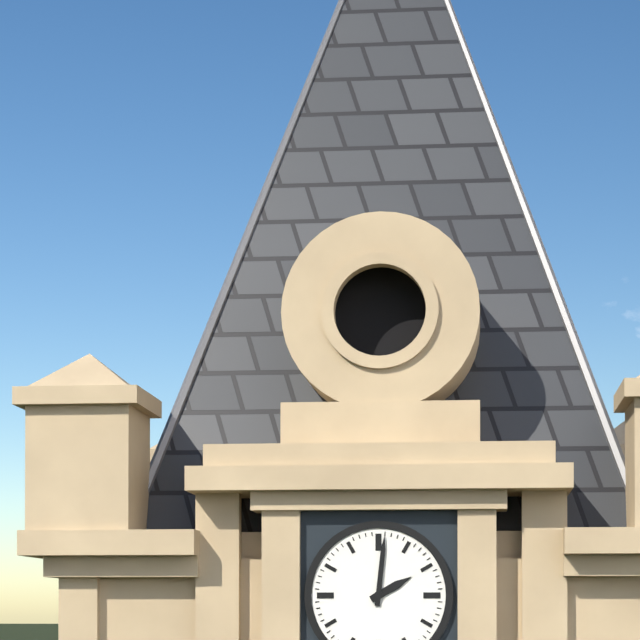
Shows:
2h01
